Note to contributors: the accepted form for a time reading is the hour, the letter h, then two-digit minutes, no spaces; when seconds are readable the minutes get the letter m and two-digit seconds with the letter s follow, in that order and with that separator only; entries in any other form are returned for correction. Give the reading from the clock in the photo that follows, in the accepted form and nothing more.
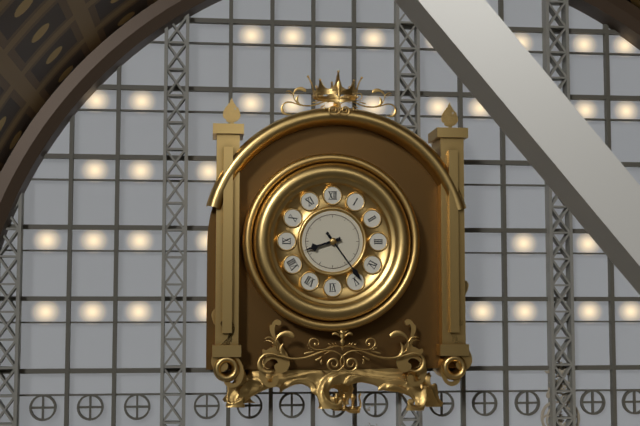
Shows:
8h24
